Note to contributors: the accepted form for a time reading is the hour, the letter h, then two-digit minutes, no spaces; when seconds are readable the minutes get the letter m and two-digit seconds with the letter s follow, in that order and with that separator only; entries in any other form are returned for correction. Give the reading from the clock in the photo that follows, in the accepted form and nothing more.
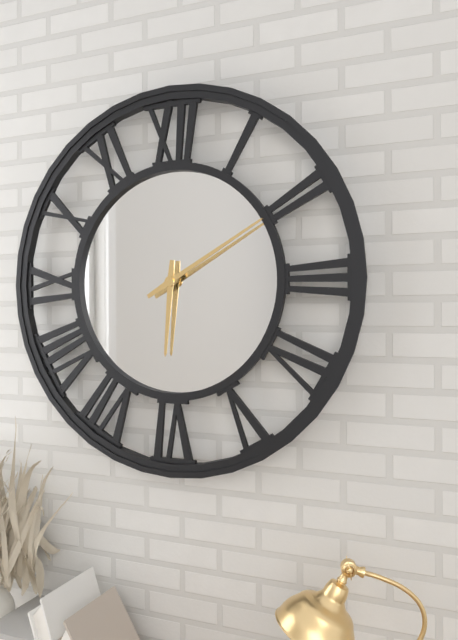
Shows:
6h10
